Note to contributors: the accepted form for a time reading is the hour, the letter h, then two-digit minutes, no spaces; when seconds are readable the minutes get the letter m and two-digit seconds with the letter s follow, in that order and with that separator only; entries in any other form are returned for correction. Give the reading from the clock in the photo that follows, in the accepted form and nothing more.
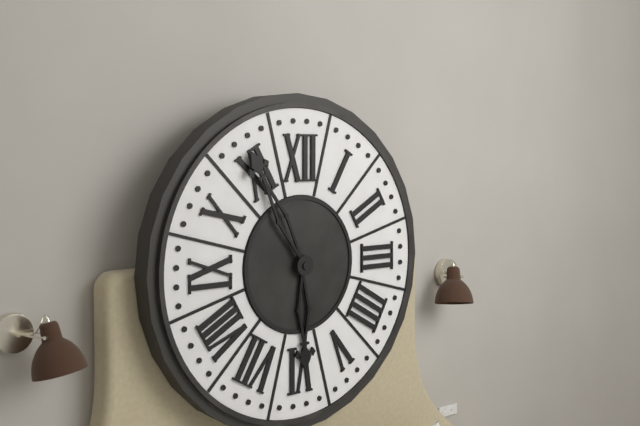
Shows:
5h55
